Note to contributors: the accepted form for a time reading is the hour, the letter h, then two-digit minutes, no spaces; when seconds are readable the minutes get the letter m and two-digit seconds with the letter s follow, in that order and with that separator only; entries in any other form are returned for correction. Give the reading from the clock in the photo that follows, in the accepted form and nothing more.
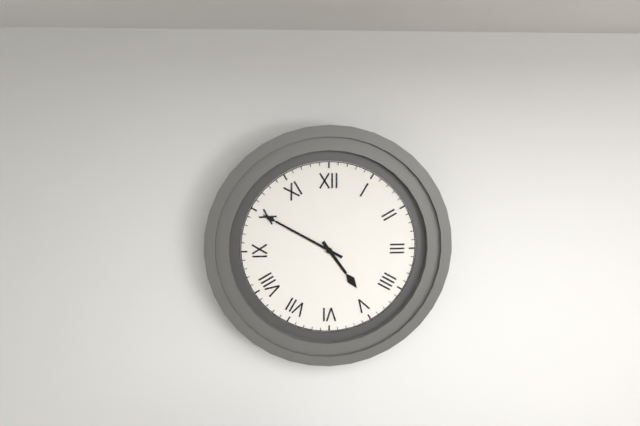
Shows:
4h50
